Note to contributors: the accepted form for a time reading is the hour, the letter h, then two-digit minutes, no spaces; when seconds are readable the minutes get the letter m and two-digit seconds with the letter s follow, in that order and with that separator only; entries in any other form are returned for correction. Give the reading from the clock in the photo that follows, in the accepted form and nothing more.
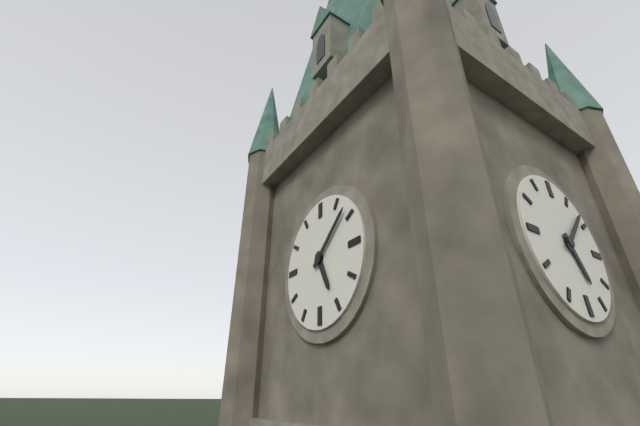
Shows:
5h08
